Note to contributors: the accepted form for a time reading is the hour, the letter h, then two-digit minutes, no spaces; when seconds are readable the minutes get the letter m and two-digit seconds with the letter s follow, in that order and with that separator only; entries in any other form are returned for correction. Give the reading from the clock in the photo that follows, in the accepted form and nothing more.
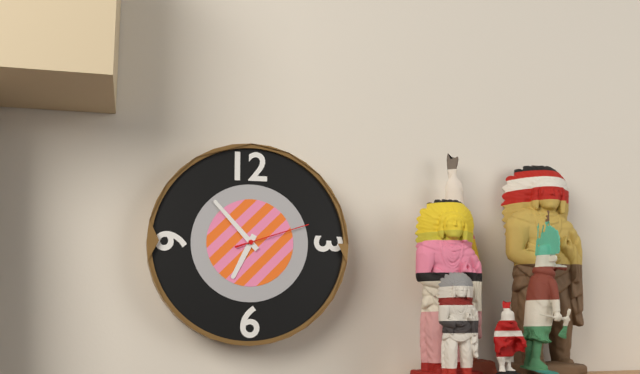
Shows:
6h53m12s
